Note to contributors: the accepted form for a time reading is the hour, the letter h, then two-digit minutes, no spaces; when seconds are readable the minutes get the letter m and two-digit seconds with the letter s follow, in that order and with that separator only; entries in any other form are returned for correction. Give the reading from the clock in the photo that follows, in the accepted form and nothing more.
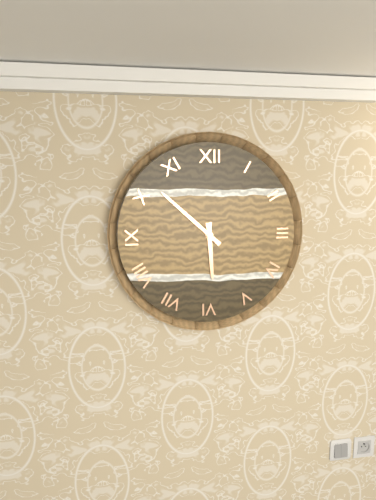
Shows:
5h52
